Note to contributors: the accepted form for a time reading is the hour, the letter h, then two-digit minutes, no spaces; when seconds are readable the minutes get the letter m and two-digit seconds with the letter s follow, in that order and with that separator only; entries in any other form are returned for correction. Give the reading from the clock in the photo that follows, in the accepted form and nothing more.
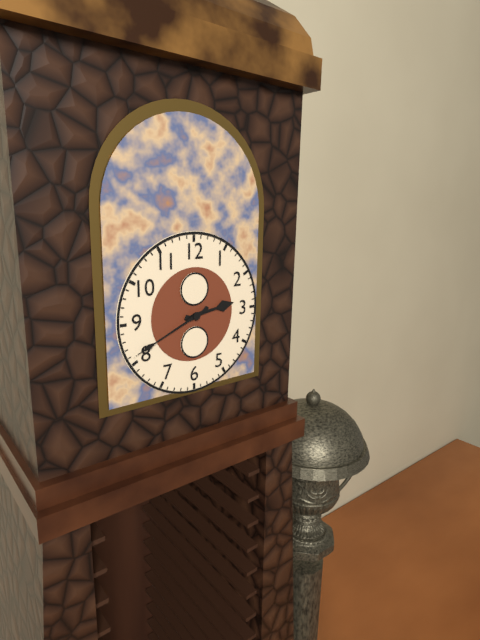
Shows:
2h41
